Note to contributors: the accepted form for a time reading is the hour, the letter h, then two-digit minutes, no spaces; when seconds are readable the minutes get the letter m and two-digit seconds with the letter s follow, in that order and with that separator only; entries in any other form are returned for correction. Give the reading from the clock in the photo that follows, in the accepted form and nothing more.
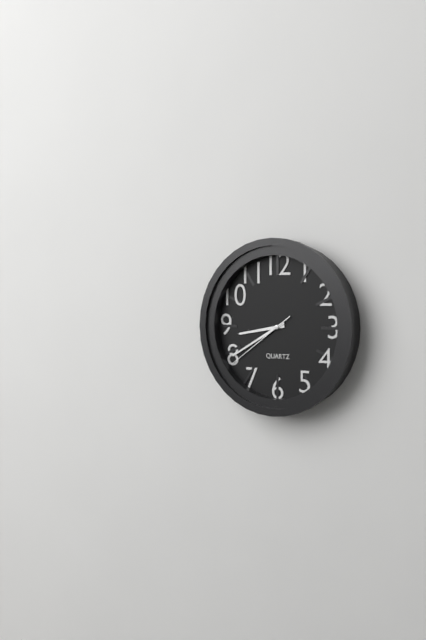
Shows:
8h40m39s
